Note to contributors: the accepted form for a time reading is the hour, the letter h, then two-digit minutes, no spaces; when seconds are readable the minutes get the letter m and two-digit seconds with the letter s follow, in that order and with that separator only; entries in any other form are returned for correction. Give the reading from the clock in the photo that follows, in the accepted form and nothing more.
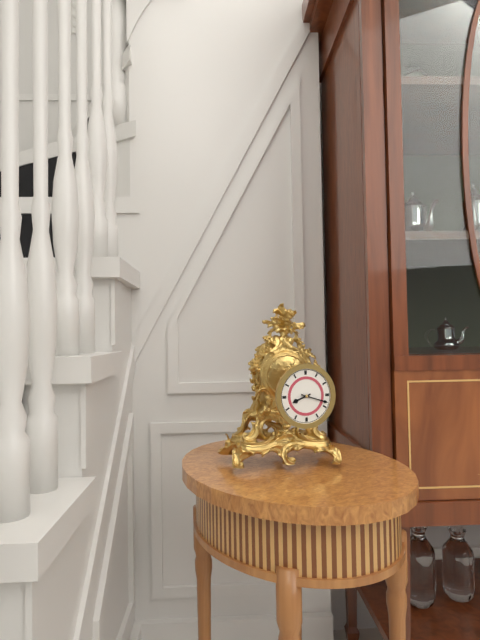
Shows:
8h18
